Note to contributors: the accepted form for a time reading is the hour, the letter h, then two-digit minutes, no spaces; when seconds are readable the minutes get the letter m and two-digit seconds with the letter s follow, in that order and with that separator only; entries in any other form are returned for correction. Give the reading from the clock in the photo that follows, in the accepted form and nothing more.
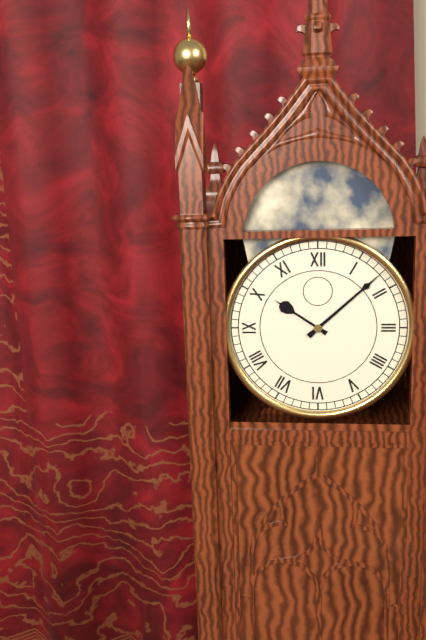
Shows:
10h08
